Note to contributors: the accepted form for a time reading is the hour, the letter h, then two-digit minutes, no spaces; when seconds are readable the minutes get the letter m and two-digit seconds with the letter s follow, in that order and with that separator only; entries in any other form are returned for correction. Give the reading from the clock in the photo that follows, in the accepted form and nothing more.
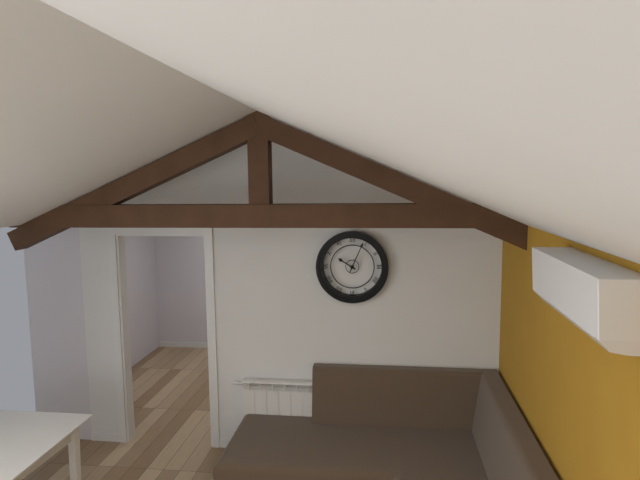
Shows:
10h04
